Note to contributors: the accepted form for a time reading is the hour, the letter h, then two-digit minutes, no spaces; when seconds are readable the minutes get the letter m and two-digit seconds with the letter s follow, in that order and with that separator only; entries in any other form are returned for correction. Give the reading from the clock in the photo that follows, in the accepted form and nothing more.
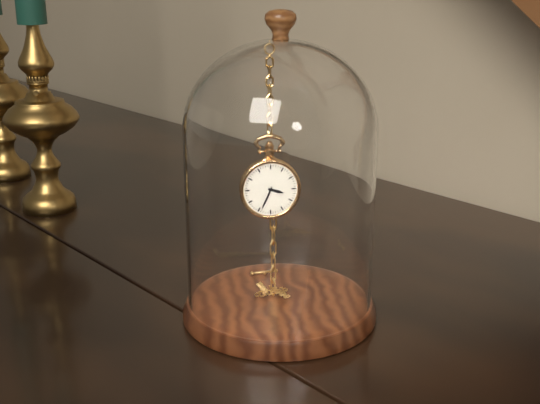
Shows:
3h34
